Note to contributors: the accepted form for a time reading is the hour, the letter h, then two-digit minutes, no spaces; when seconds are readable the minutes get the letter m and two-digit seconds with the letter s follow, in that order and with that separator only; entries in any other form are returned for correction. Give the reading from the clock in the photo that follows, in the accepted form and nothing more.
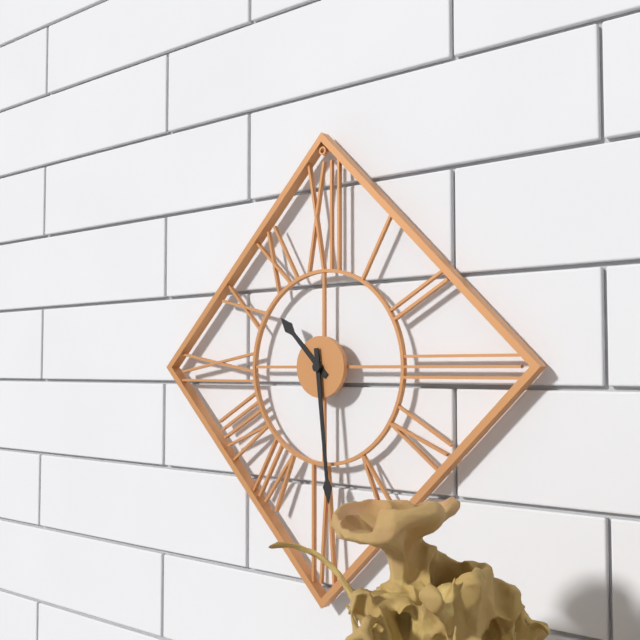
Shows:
10h29
